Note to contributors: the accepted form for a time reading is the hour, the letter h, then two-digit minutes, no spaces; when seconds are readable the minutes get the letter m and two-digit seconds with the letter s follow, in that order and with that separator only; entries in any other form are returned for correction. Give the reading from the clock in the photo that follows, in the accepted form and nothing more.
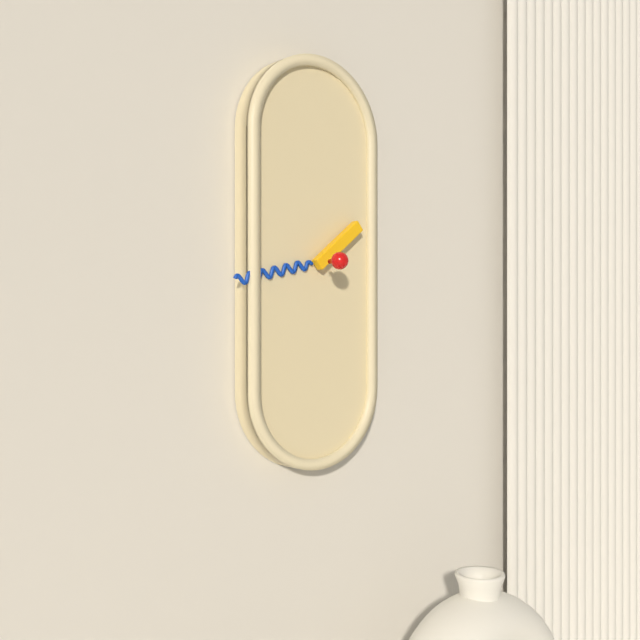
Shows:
1h43
